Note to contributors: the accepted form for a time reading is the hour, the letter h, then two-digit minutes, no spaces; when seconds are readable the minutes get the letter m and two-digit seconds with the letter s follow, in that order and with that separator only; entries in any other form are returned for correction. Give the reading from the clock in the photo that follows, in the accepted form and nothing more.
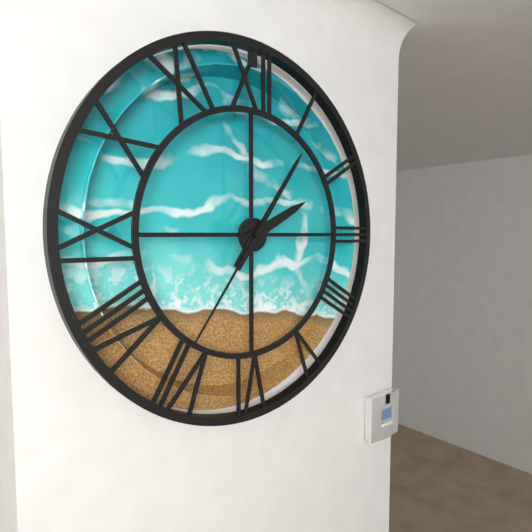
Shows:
2h06m36s
